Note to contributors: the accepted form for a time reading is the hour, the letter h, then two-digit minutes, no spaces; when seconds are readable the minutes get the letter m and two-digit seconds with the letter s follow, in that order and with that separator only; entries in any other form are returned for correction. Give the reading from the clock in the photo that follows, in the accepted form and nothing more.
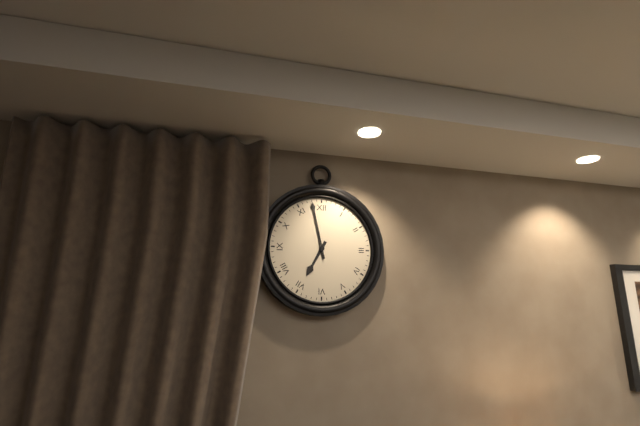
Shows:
6h58
